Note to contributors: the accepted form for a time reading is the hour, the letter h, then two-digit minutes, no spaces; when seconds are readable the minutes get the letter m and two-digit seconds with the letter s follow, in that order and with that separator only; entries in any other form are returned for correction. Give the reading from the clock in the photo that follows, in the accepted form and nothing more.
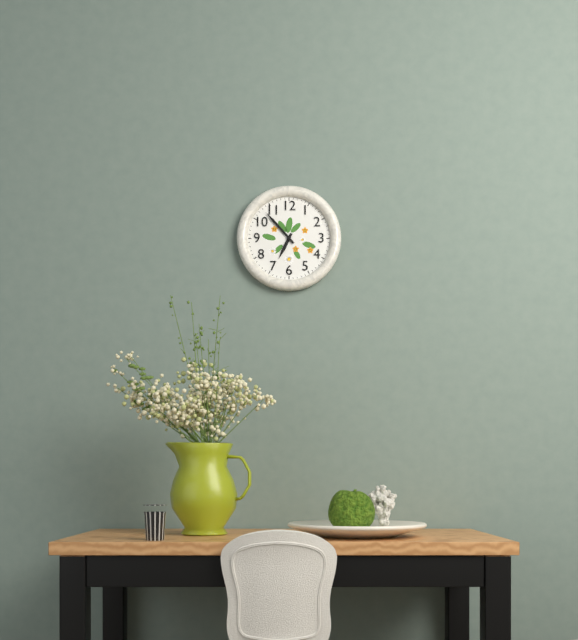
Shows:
6h53
